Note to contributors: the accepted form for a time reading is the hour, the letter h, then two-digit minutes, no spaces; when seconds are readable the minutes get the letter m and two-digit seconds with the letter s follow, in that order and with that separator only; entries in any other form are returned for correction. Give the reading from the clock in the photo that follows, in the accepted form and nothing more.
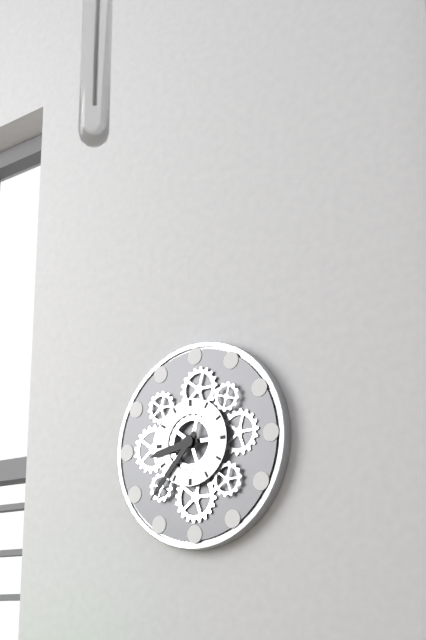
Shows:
8h37
